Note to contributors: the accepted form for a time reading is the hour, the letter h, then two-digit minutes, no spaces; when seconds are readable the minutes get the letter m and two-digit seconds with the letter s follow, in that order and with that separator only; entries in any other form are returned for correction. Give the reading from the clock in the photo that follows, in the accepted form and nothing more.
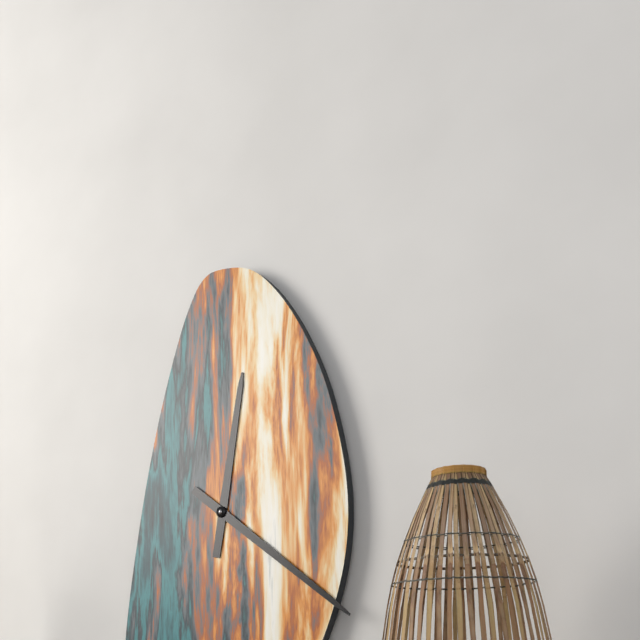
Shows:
12h21
